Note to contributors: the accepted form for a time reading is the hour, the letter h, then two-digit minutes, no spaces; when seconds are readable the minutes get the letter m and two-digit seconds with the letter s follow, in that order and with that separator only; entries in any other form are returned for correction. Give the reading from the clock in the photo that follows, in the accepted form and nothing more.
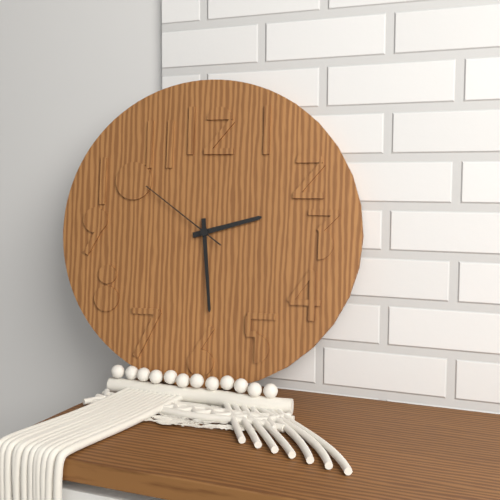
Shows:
2h29m51s
